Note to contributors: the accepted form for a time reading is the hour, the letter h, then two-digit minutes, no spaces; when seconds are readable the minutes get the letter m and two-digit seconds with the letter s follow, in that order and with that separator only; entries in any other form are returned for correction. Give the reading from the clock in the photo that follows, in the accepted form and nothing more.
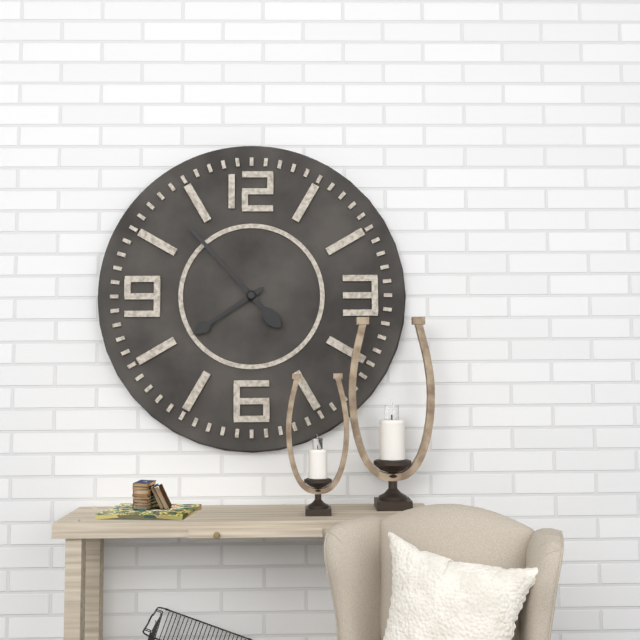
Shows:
7h53
